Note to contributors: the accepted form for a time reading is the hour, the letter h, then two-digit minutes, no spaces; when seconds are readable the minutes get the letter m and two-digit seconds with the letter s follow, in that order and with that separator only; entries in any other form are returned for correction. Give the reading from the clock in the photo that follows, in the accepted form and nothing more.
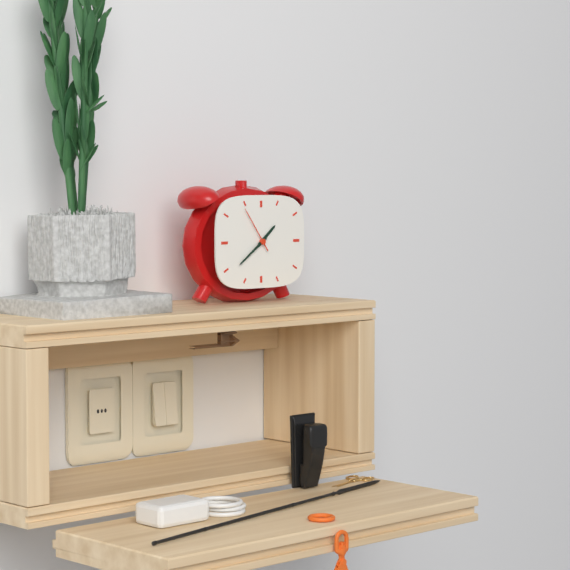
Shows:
1h39
